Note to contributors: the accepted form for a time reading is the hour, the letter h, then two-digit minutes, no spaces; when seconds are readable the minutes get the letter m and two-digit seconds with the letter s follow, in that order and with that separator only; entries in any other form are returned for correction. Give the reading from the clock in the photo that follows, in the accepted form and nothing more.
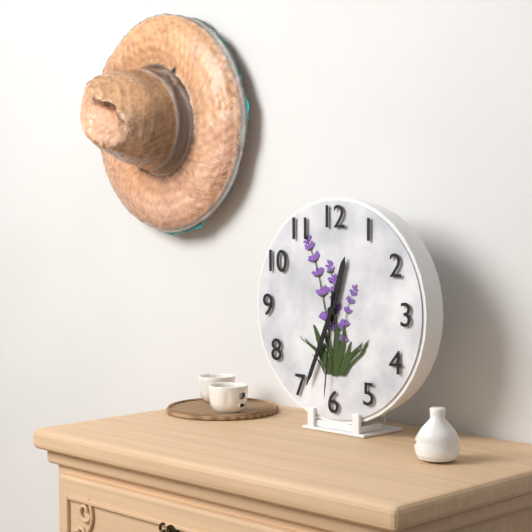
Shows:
12h34m31s
